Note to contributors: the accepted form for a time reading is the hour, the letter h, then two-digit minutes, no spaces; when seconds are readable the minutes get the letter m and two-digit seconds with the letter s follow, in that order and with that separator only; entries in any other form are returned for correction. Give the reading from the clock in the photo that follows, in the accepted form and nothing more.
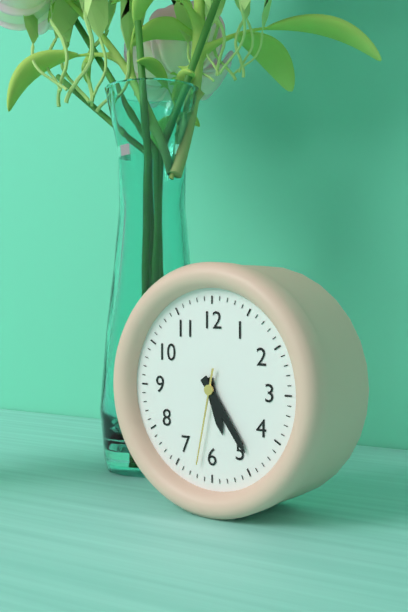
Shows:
5h24m32s
